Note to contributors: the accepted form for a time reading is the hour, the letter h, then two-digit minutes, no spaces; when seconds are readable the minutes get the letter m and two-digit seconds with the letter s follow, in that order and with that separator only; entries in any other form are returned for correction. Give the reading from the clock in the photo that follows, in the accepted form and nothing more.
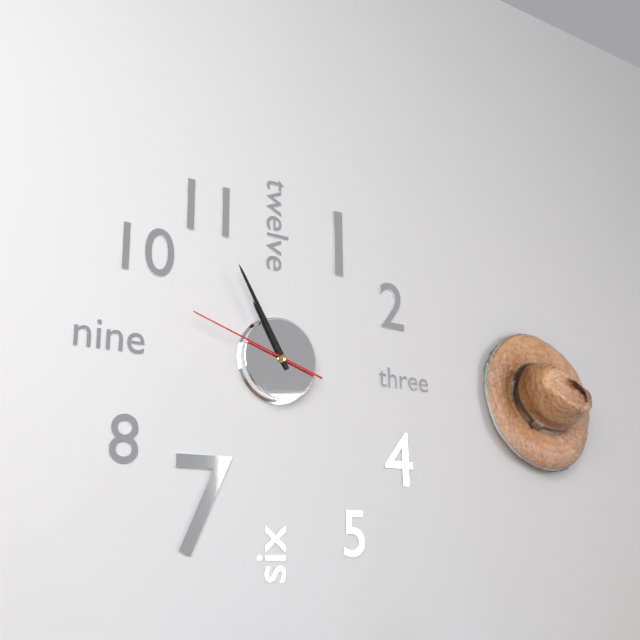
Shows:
10h55m48s
